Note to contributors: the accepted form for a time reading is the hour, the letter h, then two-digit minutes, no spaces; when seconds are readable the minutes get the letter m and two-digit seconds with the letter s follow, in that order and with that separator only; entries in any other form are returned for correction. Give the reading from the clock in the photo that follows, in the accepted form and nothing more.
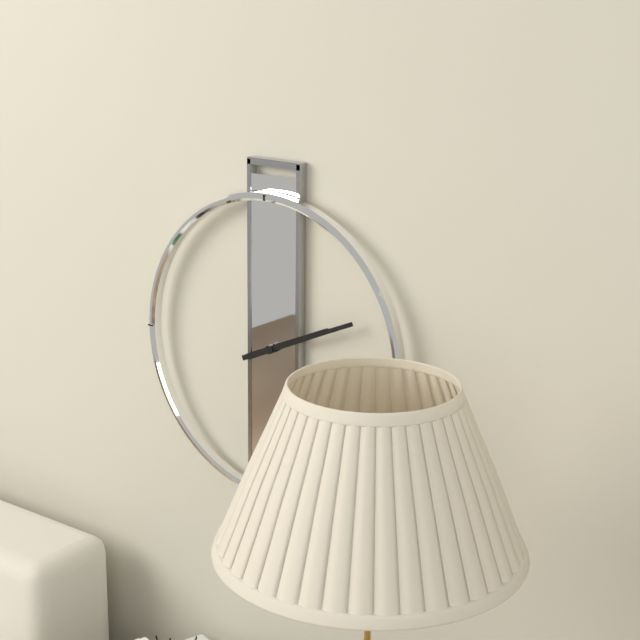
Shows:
2h11
